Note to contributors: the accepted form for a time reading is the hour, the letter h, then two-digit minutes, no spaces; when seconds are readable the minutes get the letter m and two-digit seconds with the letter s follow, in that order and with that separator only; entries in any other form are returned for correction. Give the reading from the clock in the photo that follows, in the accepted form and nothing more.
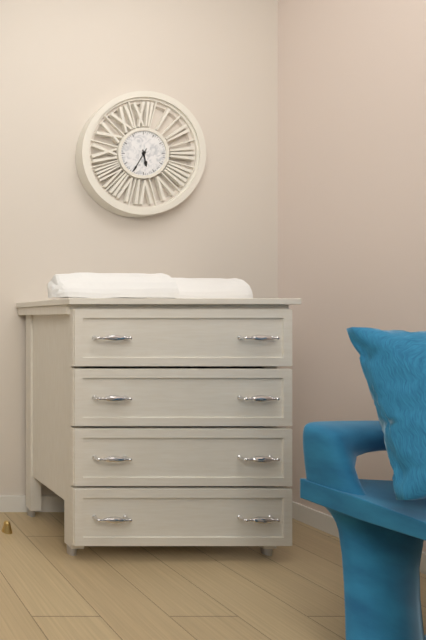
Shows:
5h35
